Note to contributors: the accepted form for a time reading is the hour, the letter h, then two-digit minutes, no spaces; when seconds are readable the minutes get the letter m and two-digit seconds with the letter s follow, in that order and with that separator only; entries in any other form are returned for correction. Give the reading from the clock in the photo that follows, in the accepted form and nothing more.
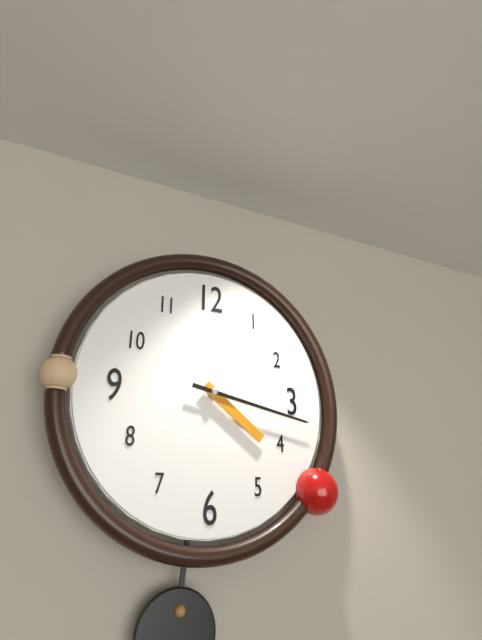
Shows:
4h17
